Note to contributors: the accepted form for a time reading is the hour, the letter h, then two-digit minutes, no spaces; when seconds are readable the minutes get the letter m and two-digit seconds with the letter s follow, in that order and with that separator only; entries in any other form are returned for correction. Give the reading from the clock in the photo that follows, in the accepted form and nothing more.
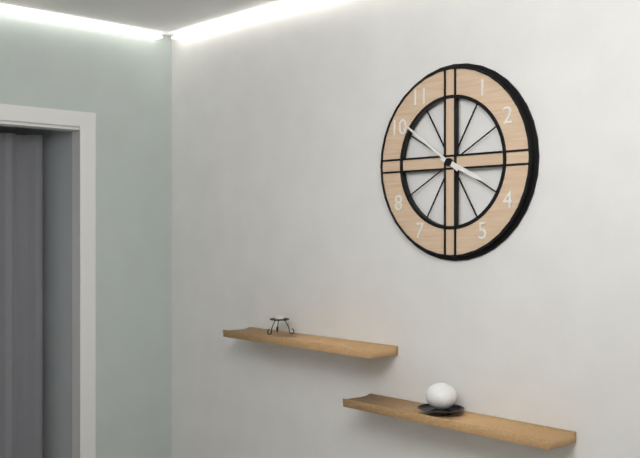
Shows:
3h51
